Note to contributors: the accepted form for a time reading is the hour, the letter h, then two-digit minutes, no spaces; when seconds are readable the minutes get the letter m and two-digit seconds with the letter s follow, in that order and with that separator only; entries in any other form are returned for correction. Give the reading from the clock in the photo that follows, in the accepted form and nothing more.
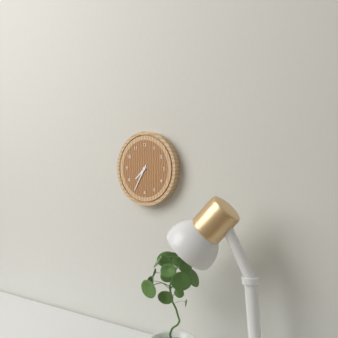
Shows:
7h35
